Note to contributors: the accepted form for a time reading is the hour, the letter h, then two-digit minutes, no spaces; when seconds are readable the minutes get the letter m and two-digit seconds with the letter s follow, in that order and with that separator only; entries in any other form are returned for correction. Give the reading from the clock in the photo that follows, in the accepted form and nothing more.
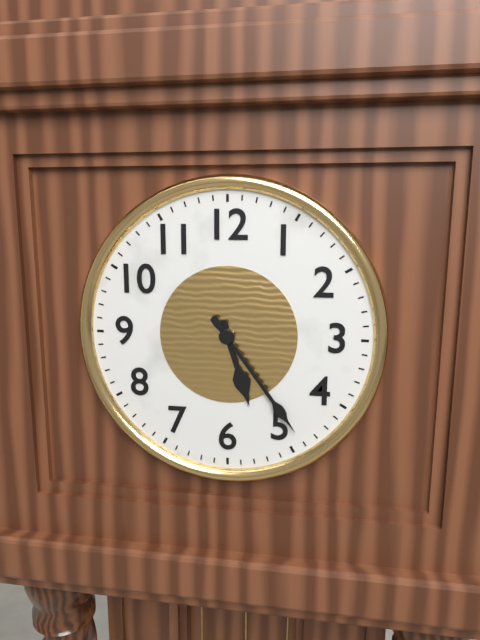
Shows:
5h24
